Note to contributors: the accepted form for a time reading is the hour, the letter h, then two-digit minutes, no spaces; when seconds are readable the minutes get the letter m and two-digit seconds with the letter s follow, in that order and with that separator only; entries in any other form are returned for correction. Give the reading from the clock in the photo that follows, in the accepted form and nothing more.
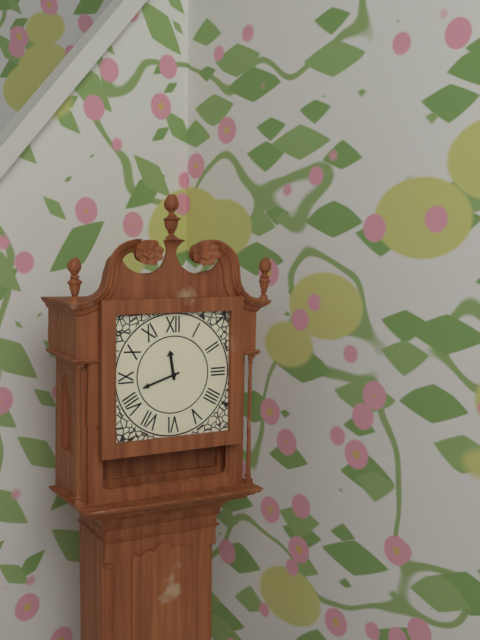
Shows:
11h42
